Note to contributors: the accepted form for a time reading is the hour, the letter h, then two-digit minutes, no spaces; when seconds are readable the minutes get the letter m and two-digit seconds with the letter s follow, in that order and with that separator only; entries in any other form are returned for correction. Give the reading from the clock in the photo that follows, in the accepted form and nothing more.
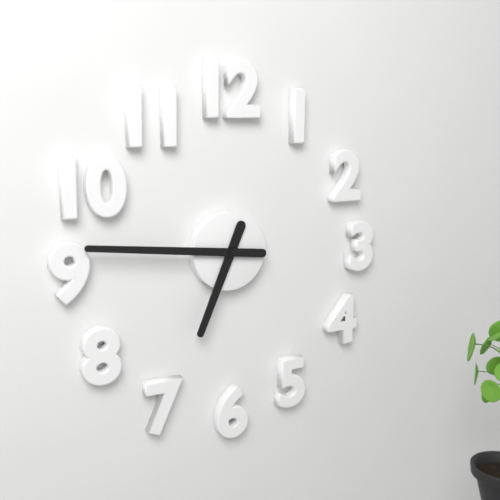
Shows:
6h46
